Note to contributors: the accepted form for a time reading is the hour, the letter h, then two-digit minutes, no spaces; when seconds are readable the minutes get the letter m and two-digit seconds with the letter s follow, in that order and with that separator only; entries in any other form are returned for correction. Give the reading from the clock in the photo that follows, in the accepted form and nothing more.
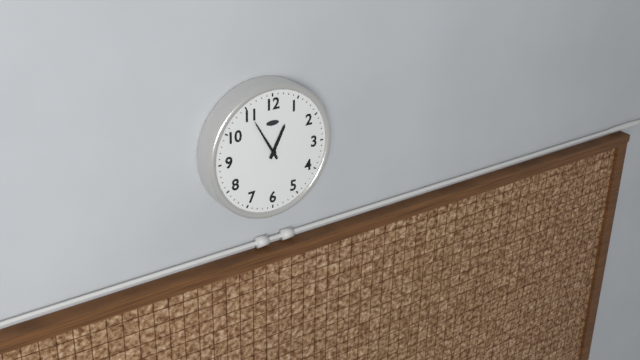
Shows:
12h55
